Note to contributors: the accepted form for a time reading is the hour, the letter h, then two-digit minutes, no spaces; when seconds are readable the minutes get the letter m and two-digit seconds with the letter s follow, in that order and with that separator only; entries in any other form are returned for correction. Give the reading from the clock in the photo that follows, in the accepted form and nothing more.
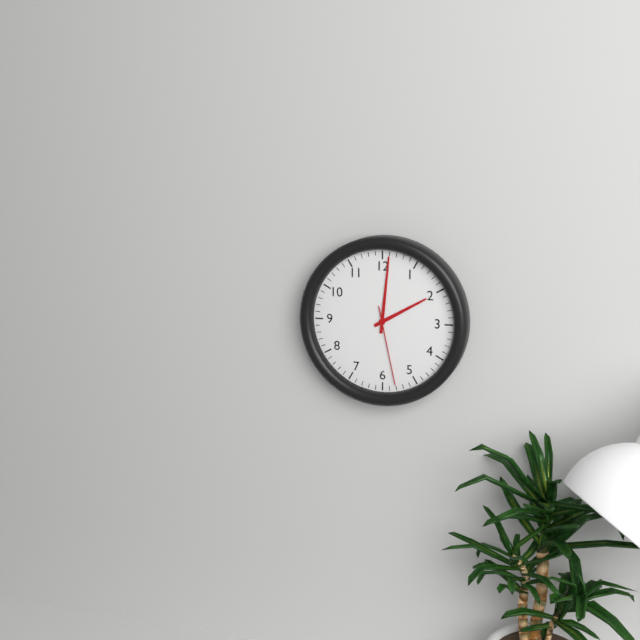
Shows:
2h01m28s
